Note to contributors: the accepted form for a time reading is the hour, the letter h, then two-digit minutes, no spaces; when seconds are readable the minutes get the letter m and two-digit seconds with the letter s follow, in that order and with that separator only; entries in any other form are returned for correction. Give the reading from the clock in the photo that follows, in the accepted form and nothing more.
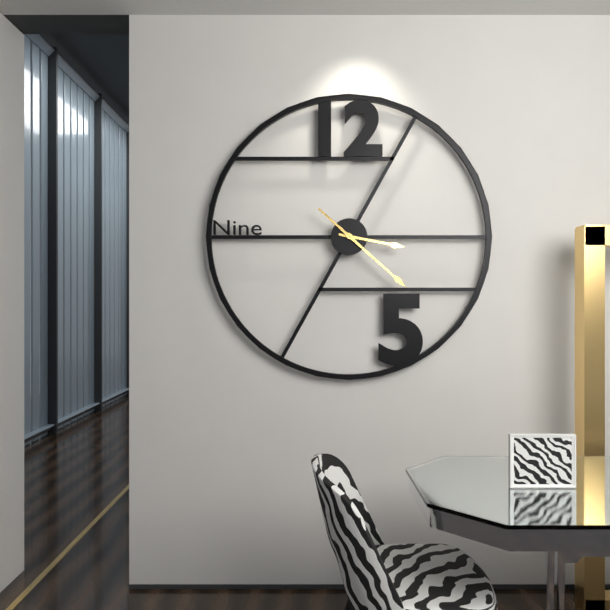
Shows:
3h22
